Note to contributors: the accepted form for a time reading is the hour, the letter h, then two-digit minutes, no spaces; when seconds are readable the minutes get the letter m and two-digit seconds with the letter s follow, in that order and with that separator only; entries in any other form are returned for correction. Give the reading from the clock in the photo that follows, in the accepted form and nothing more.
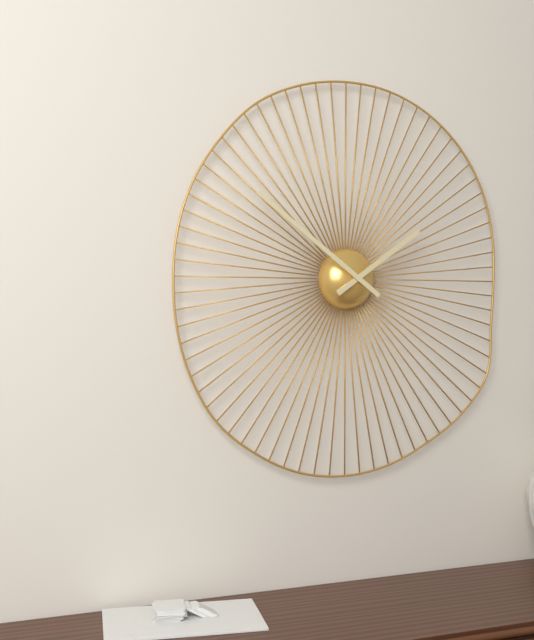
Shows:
1h51
